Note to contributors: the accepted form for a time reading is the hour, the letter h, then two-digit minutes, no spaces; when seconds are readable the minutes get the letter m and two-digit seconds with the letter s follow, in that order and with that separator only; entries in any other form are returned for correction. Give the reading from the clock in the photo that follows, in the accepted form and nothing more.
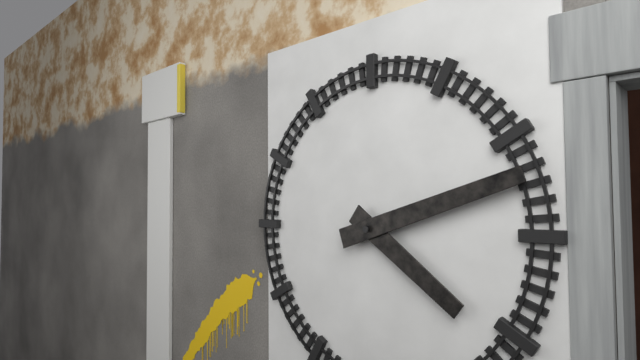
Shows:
4h12
